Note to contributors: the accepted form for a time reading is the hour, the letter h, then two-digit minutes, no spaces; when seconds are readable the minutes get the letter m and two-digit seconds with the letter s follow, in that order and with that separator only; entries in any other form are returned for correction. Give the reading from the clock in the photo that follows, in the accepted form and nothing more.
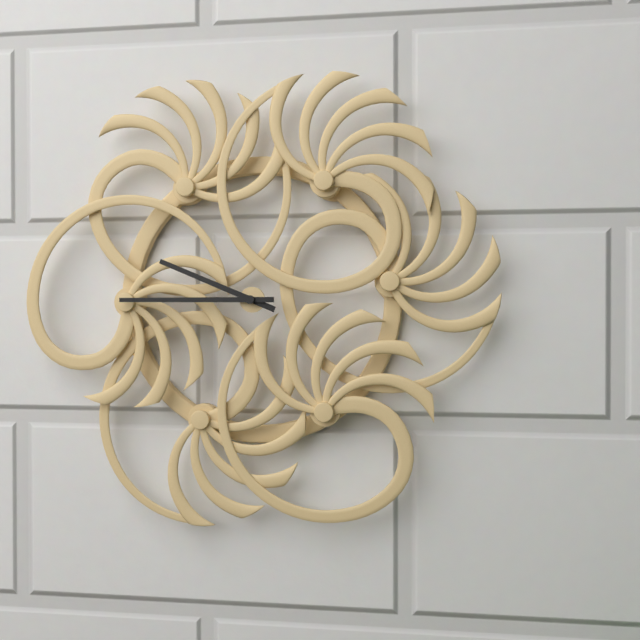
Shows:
9h45
